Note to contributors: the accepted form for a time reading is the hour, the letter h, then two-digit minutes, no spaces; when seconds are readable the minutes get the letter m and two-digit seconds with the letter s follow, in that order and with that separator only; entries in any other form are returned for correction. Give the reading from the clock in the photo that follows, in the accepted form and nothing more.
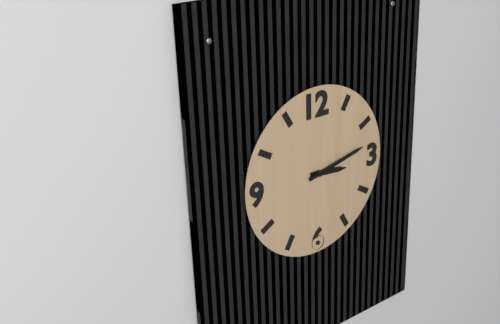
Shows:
3h13
